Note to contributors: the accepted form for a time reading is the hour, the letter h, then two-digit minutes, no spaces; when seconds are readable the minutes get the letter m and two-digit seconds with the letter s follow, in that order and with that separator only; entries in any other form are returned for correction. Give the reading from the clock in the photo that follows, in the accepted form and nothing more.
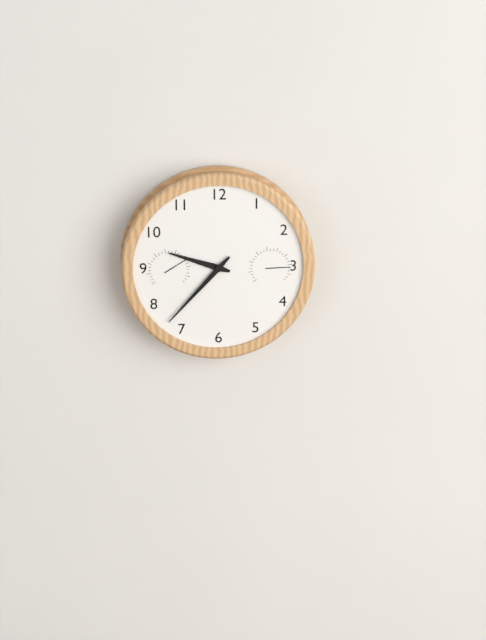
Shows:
9h37
